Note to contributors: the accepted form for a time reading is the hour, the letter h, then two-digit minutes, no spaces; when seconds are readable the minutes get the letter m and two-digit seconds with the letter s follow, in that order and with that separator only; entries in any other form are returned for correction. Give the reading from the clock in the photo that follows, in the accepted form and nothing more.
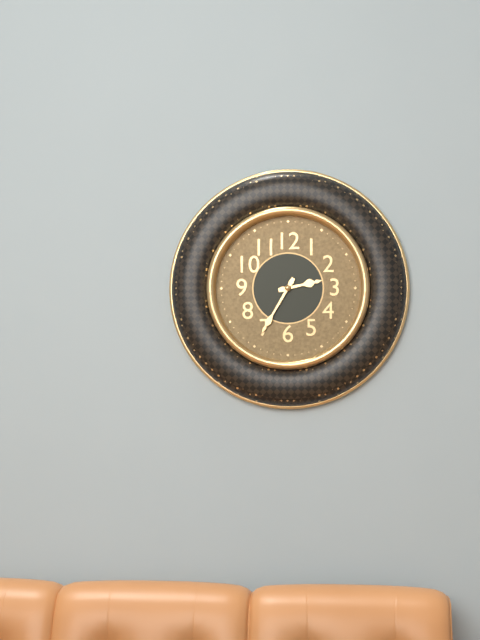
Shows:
2h35
